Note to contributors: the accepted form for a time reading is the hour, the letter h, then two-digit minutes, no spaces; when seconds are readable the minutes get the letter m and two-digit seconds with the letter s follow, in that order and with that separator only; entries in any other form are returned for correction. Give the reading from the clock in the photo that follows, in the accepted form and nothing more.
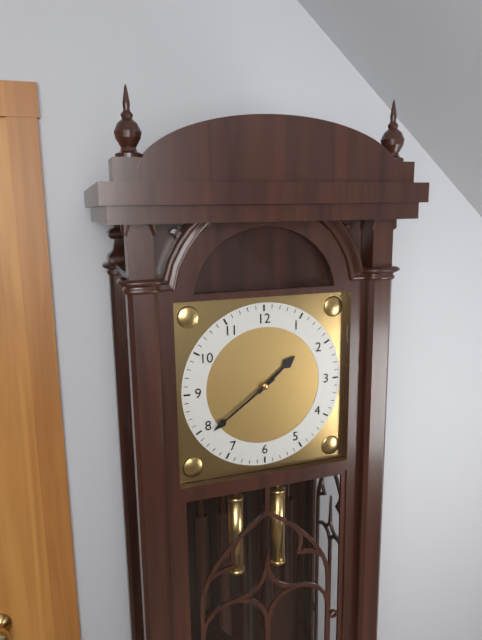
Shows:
1h39
